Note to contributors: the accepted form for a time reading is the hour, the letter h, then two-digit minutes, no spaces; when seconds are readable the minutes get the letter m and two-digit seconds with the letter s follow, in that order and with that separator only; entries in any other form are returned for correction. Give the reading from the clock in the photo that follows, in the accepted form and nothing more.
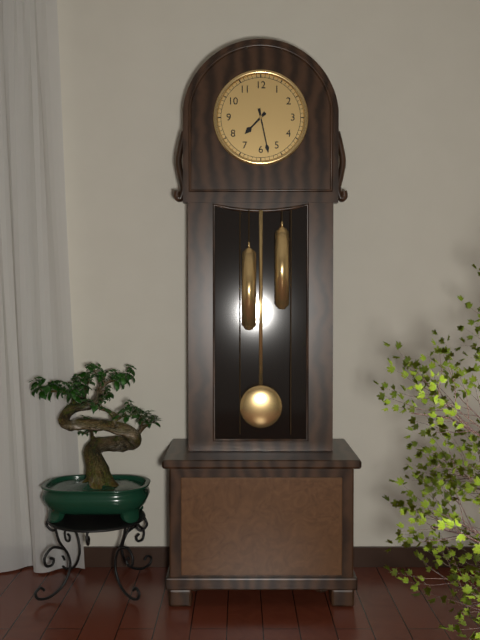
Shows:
7h28
